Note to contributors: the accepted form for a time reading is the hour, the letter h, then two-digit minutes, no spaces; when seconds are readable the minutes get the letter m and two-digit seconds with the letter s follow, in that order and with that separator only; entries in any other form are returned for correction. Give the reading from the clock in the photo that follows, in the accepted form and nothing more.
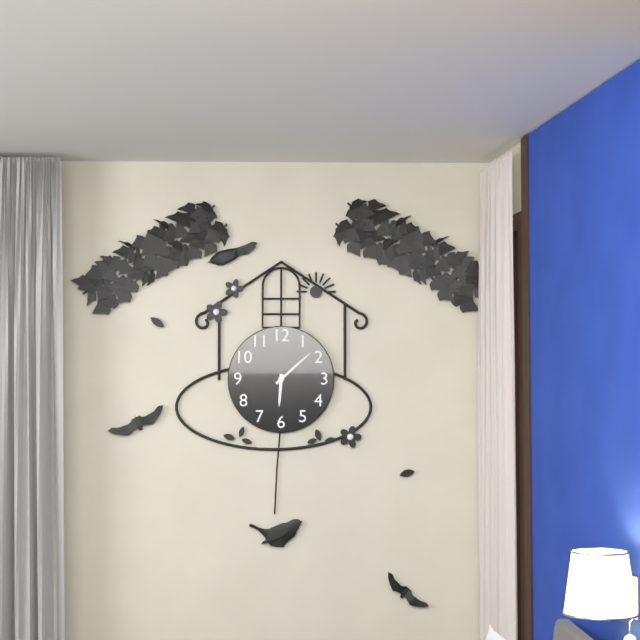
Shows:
6h08
